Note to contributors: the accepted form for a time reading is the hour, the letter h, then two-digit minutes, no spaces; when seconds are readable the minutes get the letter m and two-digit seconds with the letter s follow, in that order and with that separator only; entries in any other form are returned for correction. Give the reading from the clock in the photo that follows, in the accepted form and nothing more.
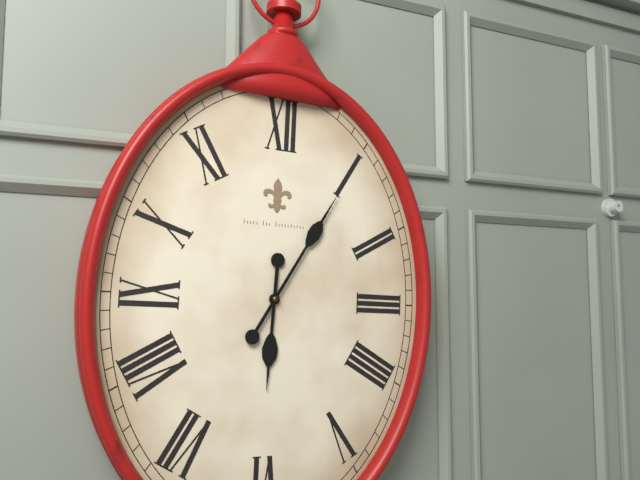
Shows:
6h05
